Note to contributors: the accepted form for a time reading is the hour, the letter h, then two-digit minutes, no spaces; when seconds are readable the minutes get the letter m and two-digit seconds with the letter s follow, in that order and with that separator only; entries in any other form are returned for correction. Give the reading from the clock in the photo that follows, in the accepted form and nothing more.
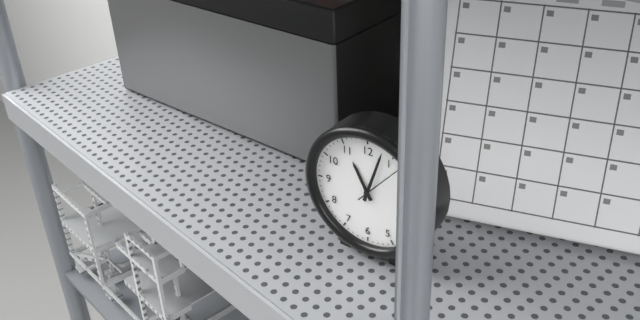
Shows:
11h03m07s
